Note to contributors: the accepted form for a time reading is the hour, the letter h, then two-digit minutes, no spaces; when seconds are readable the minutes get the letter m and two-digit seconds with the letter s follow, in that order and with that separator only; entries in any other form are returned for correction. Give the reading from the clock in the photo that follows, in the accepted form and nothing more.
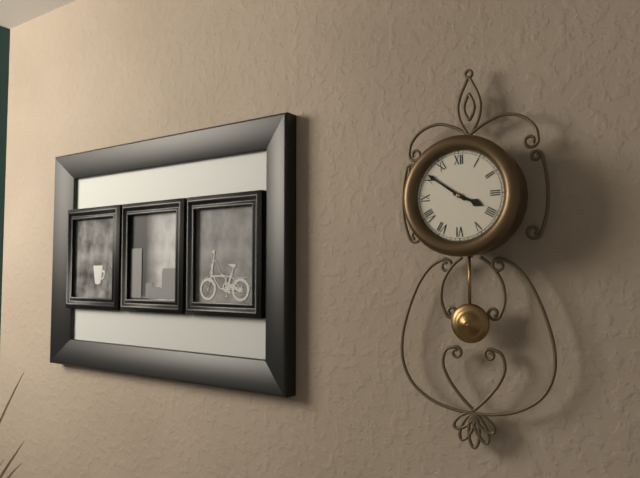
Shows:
3h51
